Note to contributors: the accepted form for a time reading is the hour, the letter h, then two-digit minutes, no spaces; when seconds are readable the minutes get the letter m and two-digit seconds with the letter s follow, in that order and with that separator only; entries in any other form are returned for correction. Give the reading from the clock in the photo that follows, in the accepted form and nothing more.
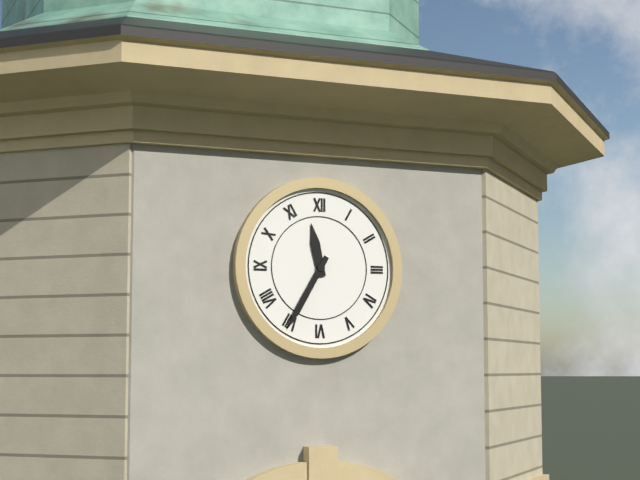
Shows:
11h35
